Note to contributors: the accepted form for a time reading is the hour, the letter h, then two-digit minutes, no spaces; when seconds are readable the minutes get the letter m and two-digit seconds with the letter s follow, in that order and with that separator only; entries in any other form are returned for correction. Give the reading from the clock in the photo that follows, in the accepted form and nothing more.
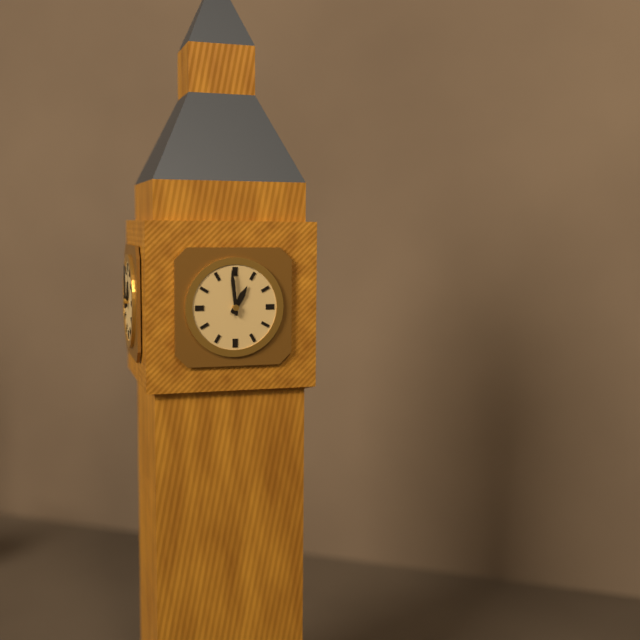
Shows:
12h59
